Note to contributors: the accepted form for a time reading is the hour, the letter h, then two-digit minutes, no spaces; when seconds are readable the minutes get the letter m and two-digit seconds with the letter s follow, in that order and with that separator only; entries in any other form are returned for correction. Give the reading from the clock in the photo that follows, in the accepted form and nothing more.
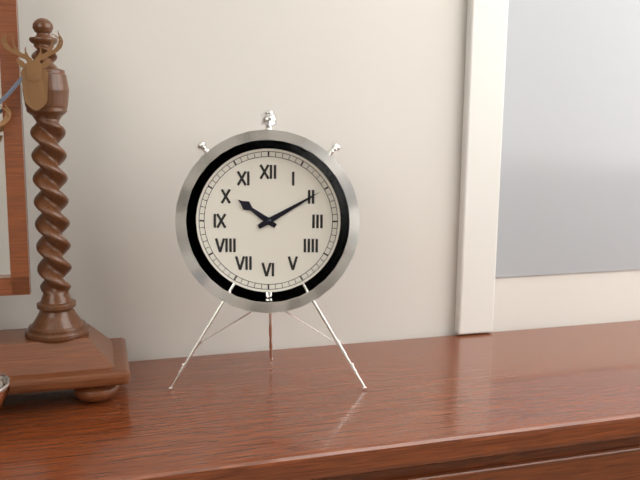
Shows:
10h10
